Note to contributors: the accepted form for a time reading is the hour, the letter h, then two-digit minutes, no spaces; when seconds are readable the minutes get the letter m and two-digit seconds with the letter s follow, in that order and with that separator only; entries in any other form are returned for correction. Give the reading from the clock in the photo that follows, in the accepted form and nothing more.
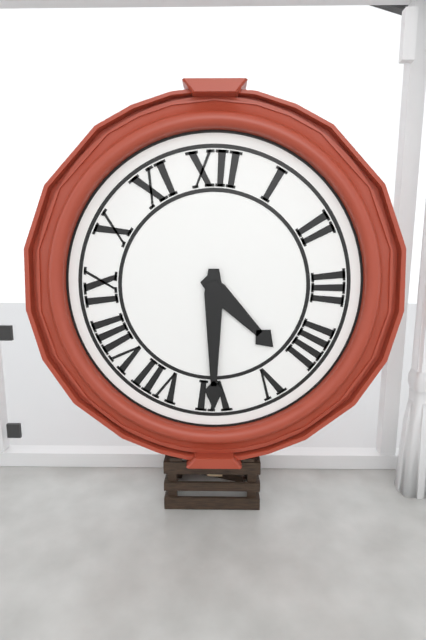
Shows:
4h30
